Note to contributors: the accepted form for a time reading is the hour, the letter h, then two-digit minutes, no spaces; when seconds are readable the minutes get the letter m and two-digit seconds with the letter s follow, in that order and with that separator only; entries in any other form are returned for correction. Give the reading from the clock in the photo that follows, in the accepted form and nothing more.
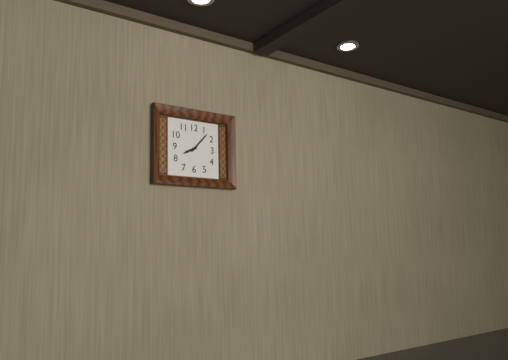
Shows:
8h07
